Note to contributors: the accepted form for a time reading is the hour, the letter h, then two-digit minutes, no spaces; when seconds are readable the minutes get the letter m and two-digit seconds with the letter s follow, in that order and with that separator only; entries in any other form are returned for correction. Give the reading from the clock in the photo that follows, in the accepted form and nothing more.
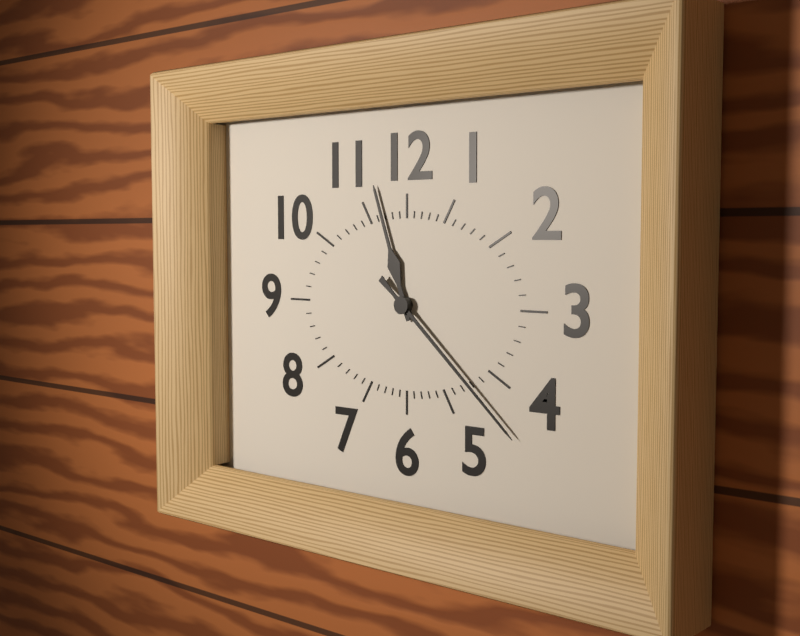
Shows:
11h22
